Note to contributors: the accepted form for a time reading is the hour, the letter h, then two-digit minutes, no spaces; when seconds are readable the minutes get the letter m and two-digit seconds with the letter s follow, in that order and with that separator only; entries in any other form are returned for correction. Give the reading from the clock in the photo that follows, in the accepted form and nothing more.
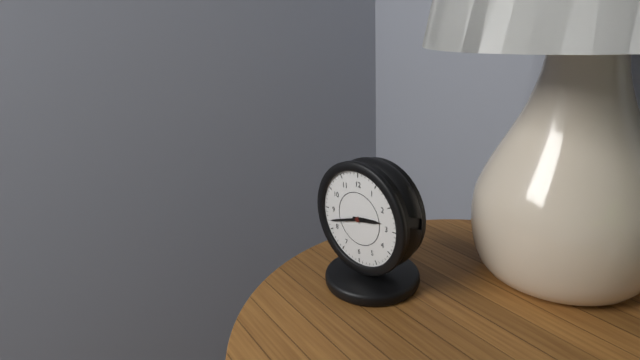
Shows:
2h42
